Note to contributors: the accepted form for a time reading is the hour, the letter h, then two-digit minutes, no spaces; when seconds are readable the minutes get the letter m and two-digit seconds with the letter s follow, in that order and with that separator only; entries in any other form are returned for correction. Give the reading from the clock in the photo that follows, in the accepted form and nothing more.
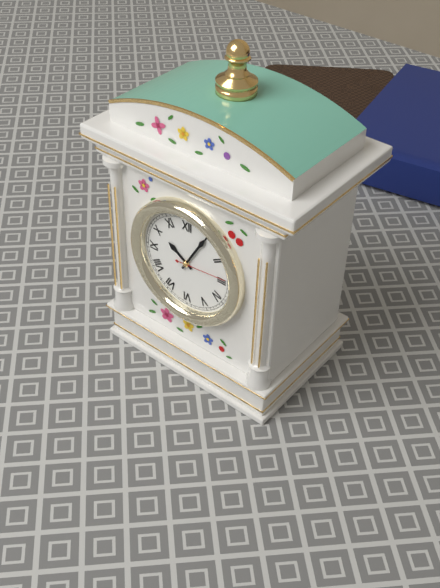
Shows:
10h05m14s
